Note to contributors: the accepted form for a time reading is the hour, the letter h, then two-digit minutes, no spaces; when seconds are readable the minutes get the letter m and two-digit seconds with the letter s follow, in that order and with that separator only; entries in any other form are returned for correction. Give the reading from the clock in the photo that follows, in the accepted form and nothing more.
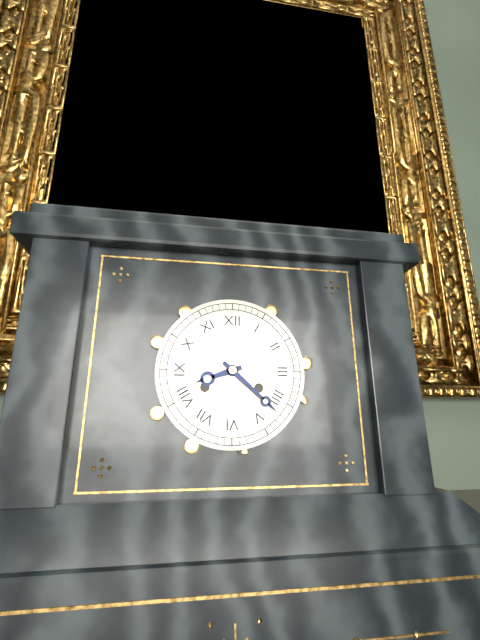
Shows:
8h22
